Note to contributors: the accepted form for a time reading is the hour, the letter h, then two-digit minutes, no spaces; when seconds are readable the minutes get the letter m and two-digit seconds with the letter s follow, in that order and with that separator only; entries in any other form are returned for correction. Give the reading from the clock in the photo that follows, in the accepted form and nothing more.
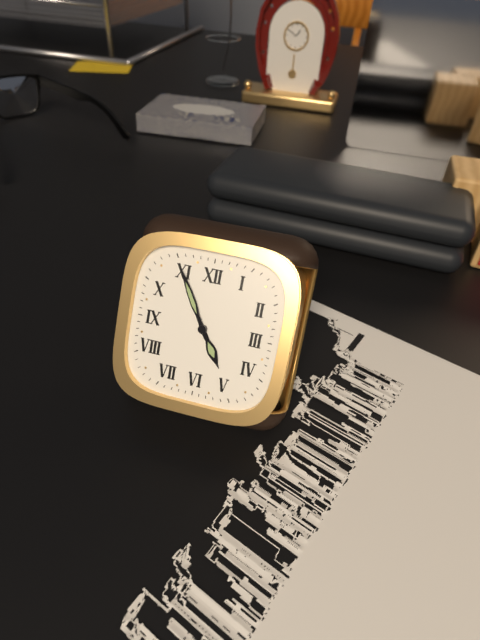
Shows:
4h55
